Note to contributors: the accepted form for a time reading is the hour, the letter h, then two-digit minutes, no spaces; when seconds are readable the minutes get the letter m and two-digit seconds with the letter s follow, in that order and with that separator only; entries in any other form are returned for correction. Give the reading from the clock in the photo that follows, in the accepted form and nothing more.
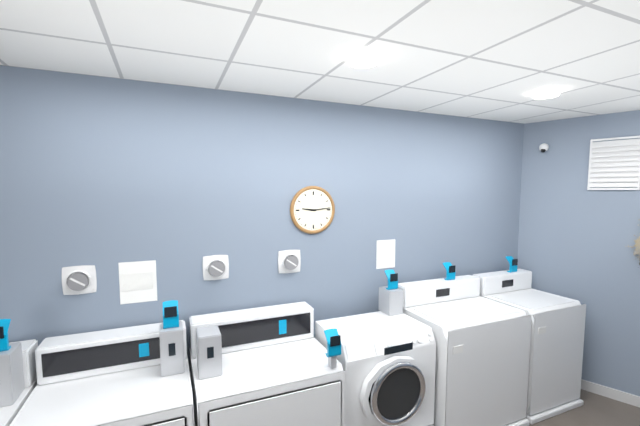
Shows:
9h14
